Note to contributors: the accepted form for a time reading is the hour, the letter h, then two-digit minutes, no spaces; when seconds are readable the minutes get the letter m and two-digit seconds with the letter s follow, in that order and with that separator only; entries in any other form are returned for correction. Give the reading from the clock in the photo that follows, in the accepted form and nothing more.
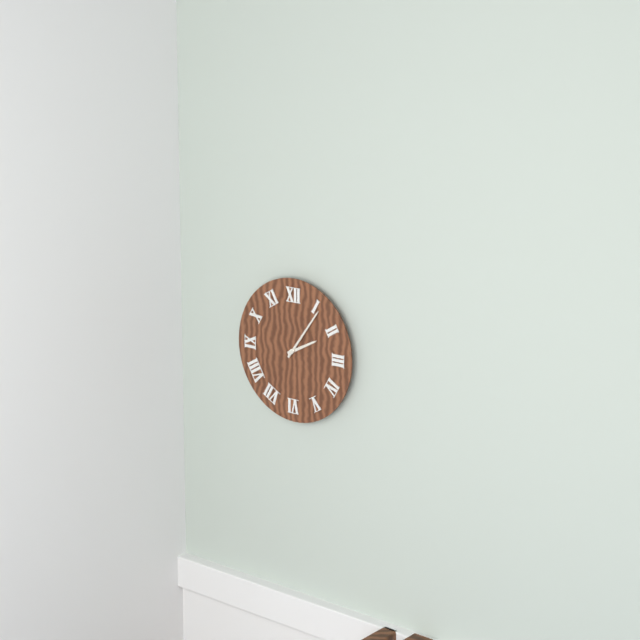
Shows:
2h06
